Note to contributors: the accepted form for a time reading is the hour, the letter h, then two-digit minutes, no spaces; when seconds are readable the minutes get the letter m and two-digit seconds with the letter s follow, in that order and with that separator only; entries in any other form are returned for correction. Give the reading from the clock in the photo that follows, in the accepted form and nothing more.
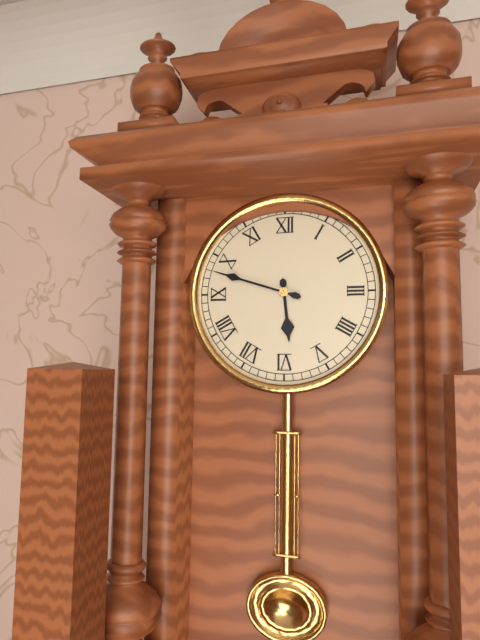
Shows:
5h48
